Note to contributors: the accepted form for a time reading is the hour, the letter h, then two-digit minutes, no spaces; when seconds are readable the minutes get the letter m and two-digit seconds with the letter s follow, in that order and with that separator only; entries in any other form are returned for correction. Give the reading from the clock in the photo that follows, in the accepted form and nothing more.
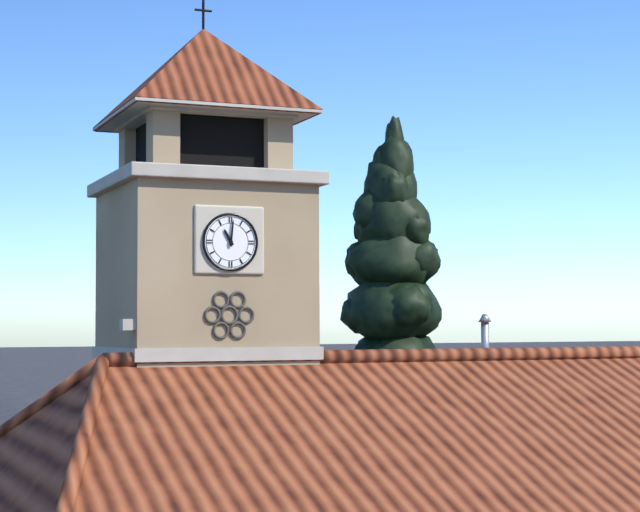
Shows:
11h01
